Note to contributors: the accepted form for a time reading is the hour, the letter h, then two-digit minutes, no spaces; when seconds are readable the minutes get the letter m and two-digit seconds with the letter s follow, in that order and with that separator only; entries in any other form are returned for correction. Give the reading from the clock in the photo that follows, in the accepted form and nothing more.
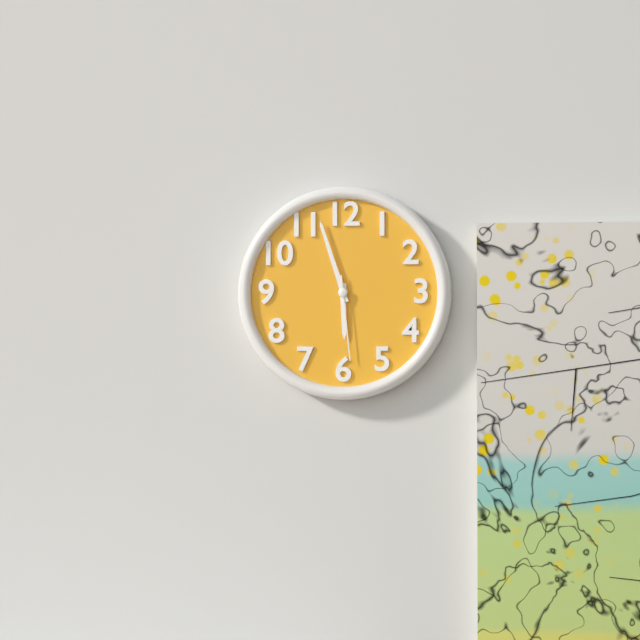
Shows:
5h57m29s
